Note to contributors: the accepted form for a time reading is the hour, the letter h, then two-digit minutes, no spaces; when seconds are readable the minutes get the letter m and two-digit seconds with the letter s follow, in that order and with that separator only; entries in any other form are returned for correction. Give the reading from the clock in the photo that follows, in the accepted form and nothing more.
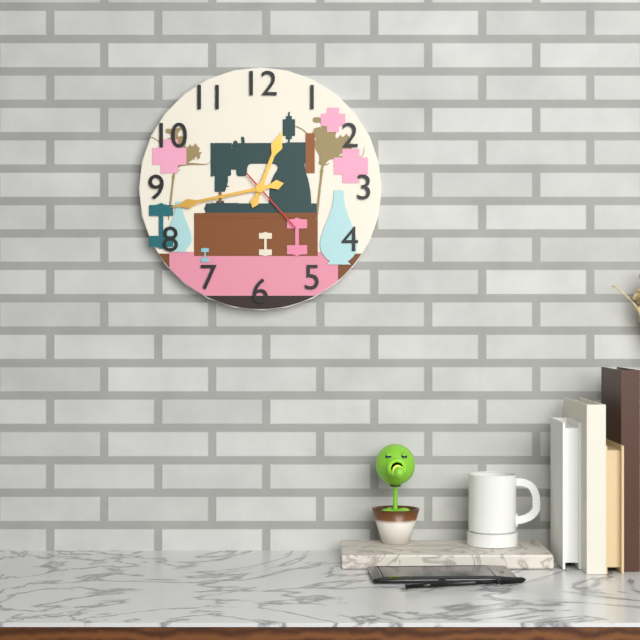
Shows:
12h43m23s
